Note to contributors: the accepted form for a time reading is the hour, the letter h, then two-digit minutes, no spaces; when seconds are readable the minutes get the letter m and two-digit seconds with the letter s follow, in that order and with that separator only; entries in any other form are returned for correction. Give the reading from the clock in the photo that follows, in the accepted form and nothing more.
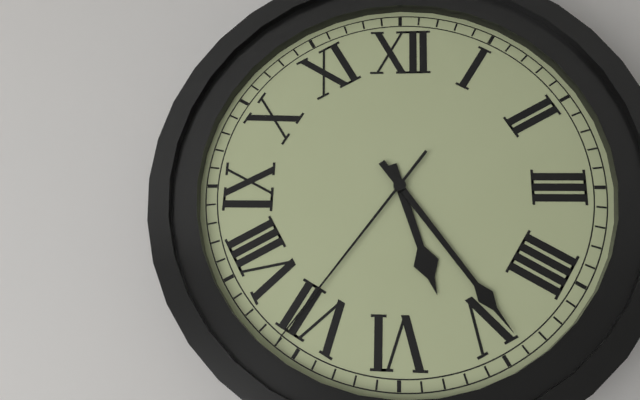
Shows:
5h24m36s
